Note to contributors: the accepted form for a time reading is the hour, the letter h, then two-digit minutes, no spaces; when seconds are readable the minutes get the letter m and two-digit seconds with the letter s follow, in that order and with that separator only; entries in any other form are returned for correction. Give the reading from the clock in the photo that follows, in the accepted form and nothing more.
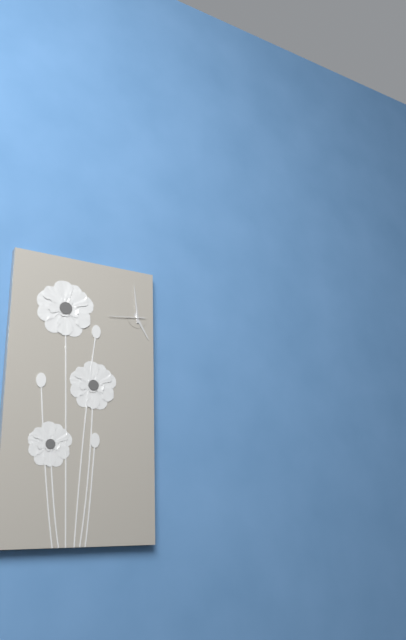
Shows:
4h59
